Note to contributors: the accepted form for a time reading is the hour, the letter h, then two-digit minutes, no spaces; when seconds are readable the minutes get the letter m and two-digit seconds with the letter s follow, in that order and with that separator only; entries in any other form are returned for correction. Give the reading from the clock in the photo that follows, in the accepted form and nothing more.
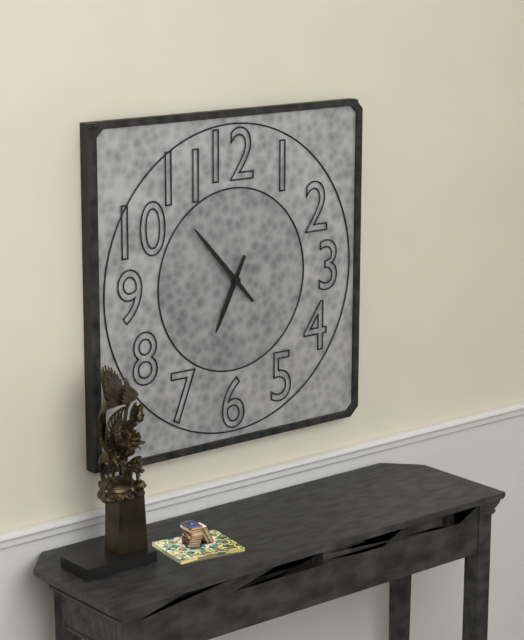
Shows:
6h53
